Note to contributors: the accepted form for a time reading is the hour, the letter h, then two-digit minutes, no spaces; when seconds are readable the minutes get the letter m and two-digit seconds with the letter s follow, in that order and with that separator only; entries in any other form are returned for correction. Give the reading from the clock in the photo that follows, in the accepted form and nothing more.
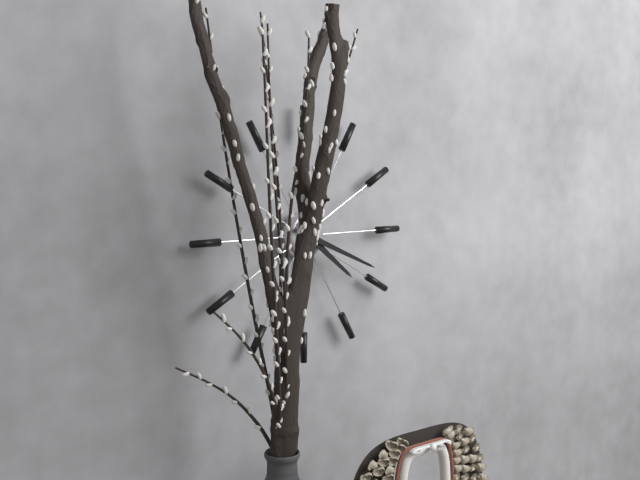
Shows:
4h19
